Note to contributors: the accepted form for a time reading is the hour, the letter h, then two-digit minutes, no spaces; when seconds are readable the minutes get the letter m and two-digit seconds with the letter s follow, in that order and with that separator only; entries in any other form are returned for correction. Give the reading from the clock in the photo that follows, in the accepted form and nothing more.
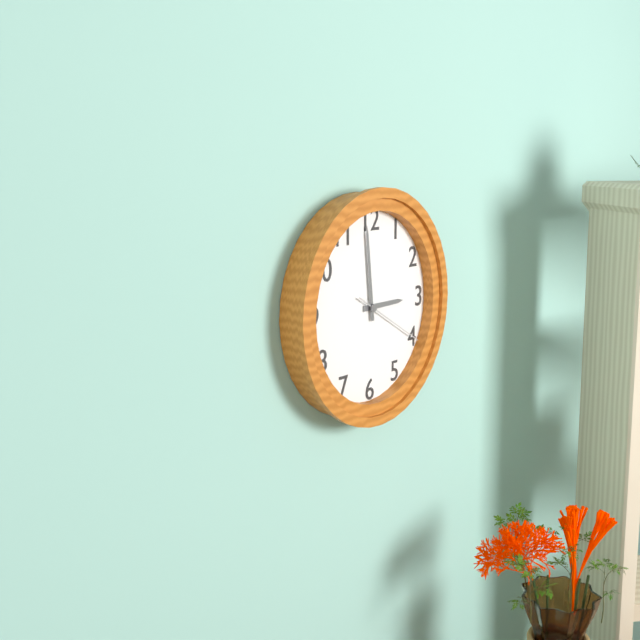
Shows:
2h59m20s
